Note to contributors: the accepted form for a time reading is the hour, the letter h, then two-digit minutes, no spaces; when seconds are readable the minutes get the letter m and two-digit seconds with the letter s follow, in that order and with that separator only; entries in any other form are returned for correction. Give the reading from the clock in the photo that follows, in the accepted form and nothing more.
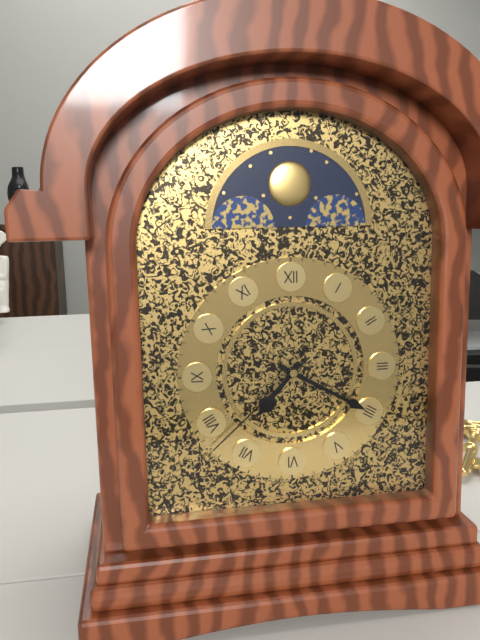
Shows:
7h20m38s
